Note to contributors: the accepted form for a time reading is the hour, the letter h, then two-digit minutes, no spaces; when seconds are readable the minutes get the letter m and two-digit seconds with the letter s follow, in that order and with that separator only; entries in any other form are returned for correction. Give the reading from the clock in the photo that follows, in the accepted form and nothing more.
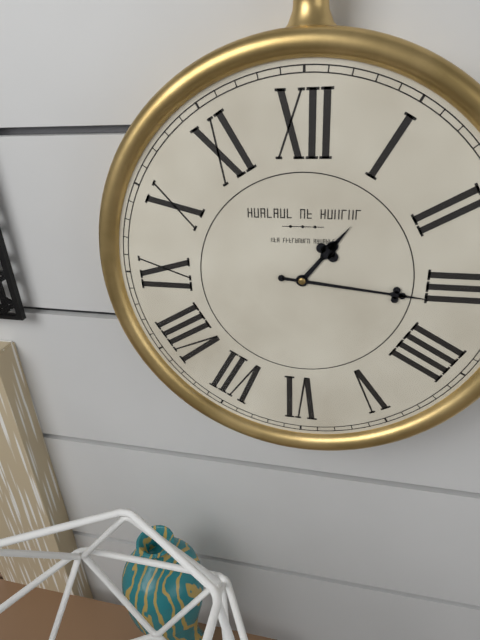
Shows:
1h16
